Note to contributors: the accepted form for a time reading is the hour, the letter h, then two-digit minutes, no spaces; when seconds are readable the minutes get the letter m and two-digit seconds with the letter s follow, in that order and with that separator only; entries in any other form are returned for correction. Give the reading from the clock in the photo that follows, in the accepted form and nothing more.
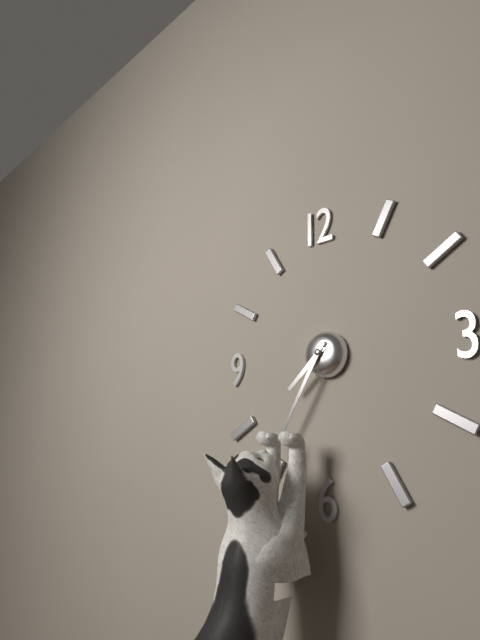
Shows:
7h35
